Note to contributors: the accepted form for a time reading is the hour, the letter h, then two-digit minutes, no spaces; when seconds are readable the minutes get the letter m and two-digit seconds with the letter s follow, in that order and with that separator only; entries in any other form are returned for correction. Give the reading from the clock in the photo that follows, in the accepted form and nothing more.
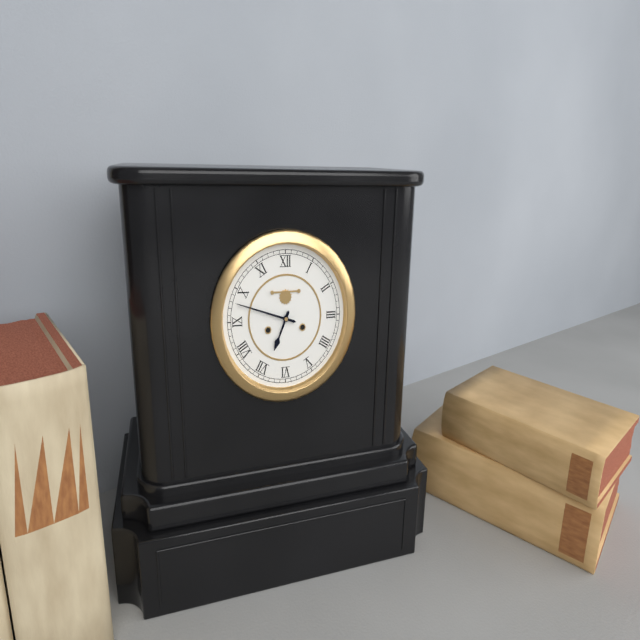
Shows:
6h48
